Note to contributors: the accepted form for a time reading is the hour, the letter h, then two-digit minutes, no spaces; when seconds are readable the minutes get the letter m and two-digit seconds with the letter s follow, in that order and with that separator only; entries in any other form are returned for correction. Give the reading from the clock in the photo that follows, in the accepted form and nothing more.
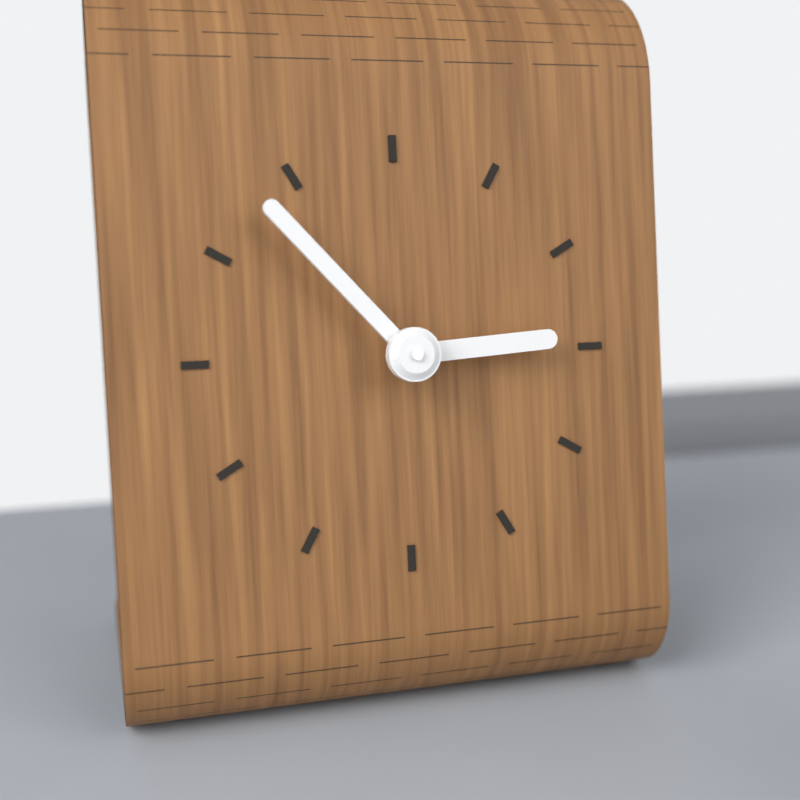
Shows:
2h53
